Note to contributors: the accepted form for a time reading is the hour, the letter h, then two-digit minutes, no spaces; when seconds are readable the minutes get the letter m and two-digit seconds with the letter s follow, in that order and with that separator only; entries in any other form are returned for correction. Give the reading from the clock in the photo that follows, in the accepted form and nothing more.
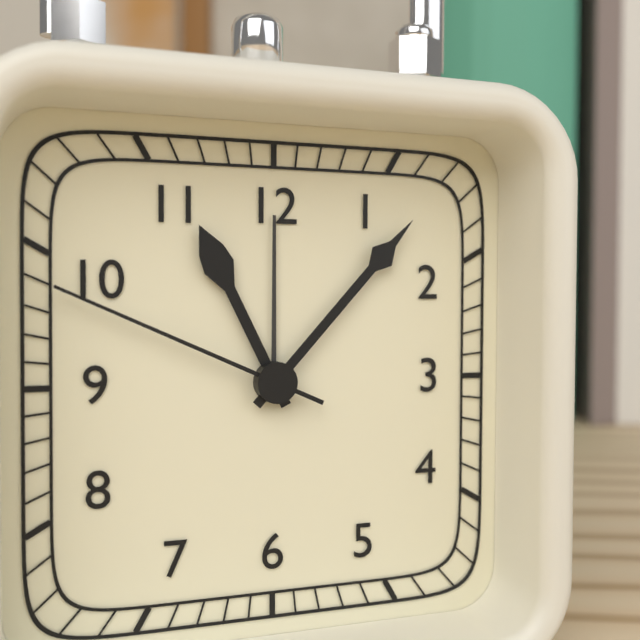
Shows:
11h07m49s
